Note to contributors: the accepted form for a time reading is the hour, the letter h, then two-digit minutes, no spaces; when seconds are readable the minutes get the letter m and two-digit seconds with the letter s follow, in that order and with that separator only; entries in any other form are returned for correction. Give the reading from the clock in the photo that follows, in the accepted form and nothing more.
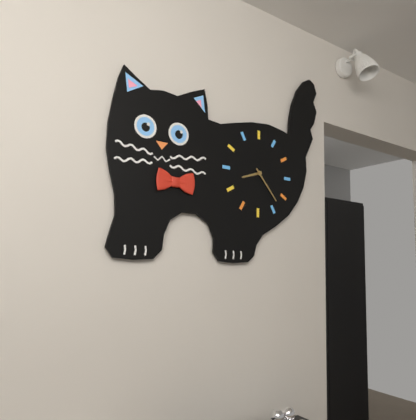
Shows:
8h23
